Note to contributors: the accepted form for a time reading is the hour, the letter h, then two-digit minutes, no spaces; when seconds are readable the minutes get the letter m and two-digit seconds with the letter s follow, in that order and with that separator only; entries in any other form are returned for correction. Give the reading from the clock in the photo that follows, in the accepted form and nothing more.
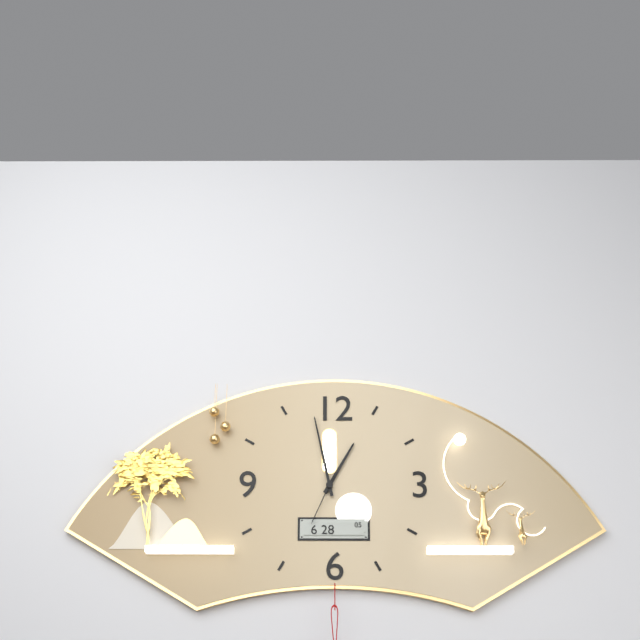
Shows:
12h58m34s
